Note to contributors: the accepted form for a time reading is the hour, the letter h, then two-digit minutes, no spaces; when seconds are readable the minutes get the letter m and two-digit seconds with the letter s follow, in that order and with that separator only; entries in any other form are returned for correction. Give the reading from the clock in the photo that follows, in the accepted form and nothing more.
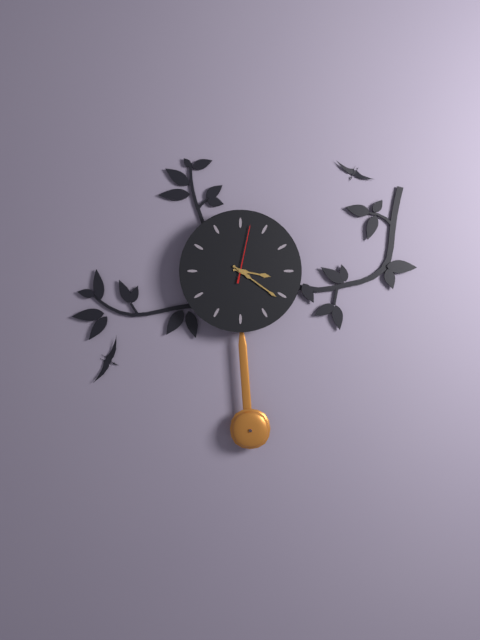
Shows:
3h21m02s
